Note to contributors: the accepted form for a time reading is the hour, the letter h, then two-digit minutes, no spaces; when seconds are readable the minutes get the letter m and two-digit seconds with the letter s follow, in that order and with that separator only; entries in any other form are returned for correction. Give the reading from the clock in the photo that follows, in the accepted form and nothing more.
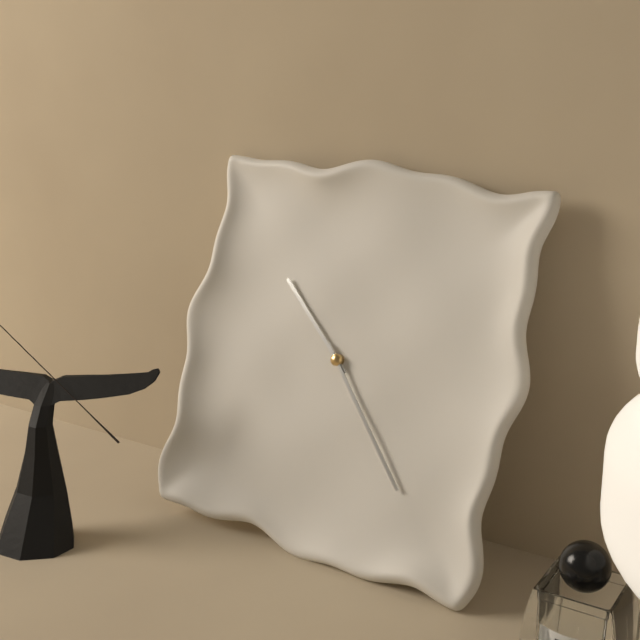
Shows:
10h23
